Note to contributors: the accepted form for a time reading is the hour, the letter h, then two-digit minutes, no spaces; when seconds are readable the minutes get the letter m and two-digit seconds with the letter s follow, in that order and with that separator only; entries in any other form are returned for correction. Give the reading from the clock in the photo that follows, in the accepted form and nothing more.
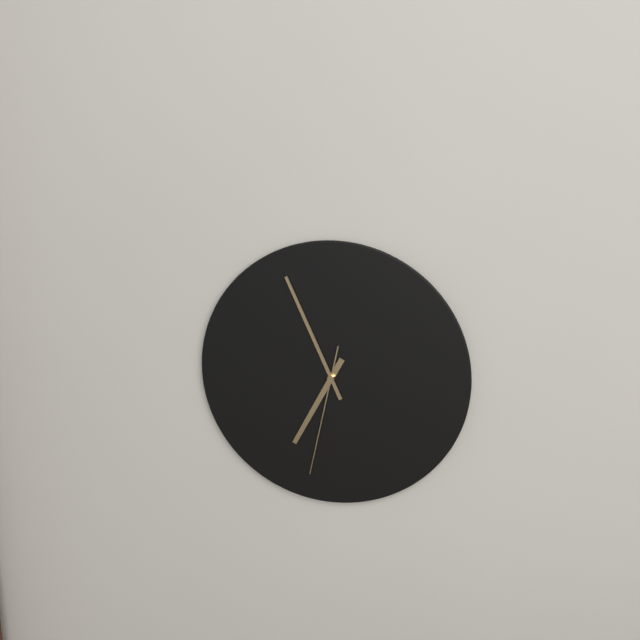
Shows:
6h56m32s
